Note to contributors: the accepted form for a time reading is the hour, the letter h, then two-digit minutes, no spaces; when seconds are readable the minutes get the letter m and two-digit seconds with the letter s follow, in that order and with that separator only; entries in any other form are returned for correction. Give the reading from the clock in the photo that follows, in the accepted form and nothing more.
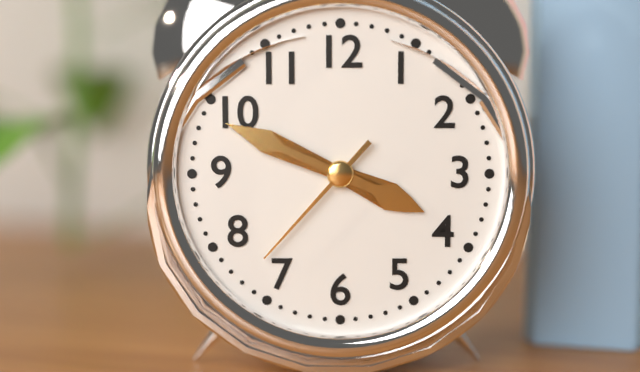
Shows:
3h49m37s
